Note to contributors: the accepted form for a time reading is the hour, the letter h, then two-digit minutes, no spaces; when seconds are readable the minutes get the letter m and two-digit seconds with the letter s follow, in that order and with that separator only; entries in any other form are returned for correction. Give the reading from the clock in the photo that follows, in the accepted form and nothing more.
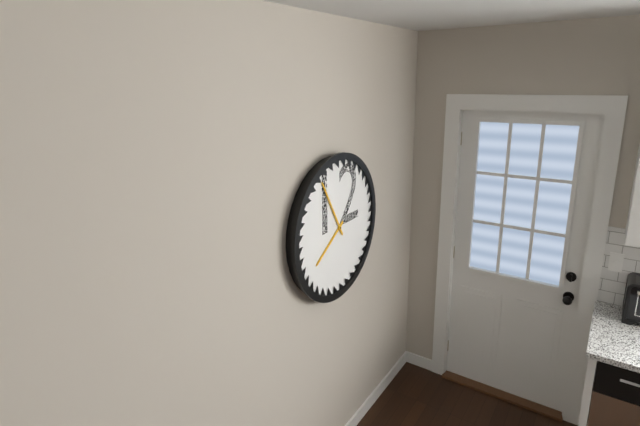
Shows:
7h55
